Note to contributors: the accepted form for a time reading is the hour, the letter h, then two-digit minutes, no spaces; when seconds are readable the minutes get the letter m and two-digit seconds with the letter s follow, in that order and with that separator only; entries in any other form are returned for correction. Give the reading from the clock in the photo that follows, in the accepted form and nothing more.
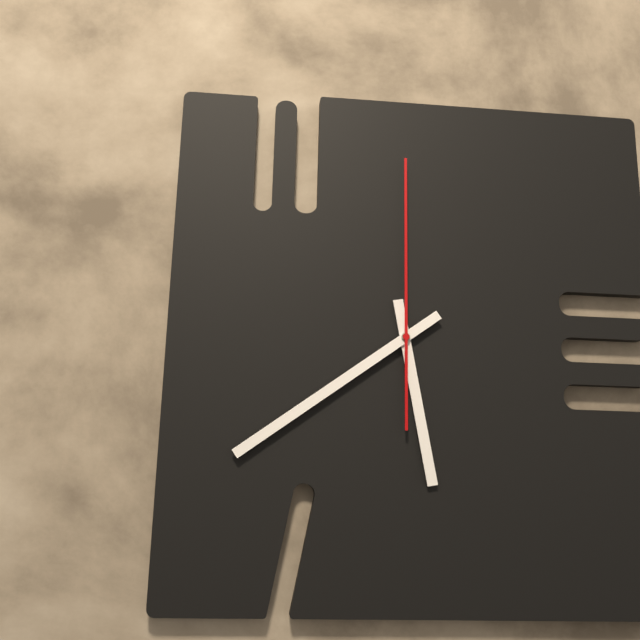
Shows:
5h39m00s
